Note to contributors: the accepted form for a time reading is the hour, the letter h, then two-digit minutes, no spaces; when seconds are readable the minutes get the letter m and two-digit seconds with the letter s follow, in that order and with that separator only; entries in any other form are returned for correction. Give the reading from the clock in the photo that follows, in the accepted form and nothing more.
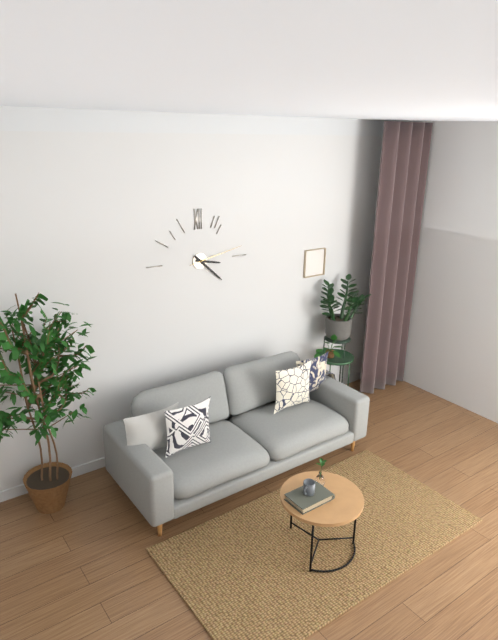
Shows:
3h22m13s
